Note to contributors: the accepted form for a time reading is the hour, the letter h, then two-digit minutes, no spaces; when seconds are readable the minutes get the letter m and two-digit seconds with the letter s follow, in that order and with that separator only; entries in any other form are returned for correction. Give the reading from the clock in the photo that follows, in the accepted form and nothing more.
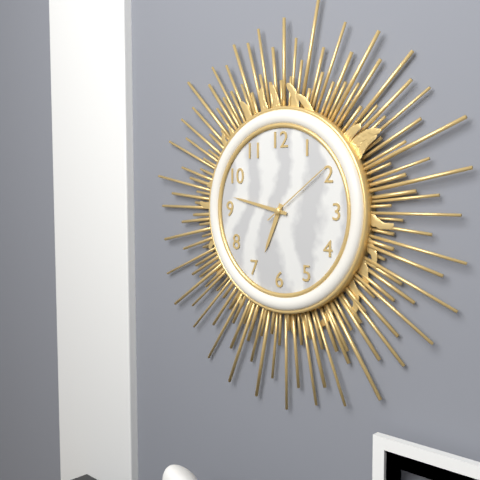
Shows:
6h47m09s
